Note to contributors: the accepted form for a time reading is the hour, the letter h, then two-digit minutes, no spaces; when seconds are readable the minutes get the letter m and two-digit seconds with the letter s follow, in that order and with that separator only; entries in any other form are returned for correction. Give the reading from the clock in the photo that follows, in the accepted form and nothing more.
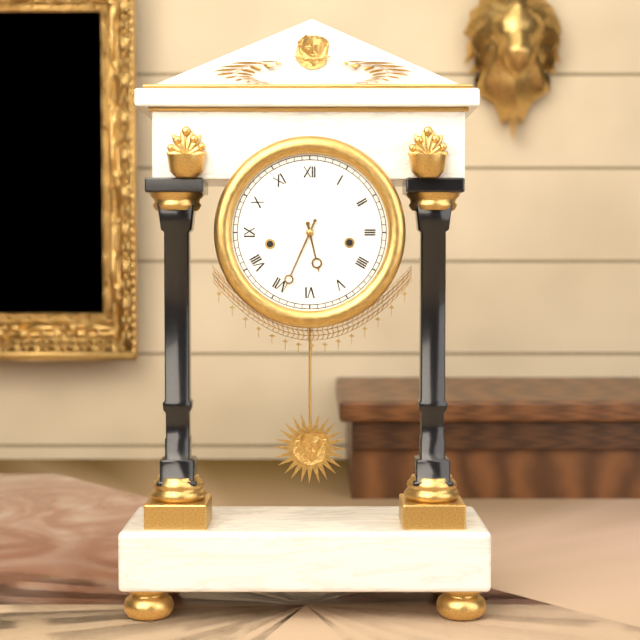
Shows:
5h34
